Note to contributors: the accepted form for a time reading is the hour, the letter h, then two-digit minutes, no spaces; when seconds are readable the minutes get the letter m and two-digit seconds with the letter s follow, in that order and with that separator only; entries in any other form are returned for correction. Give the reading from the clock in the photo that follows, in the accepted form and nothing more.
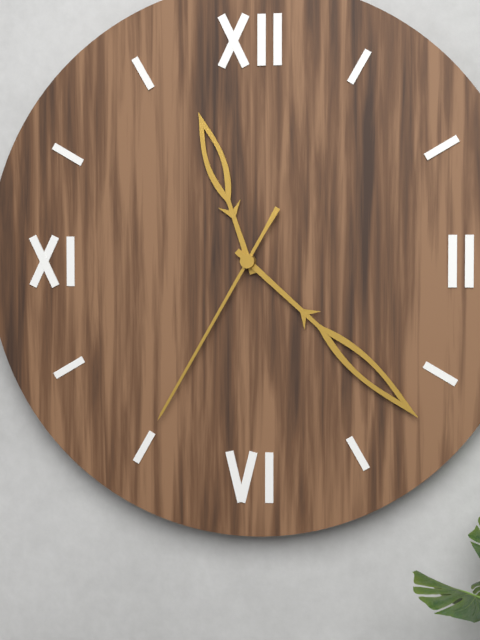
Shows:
11h22m35s
